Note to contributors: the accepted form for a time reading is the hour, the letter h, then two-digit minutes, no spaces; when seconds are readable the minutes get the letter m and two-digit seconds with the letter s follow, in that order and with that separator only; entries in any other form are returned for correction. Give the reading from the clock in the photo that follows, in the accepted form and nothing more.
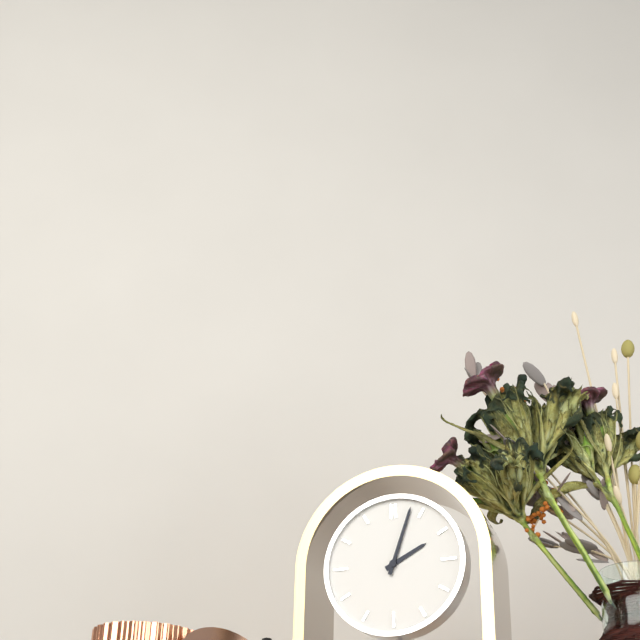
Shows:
2h03
